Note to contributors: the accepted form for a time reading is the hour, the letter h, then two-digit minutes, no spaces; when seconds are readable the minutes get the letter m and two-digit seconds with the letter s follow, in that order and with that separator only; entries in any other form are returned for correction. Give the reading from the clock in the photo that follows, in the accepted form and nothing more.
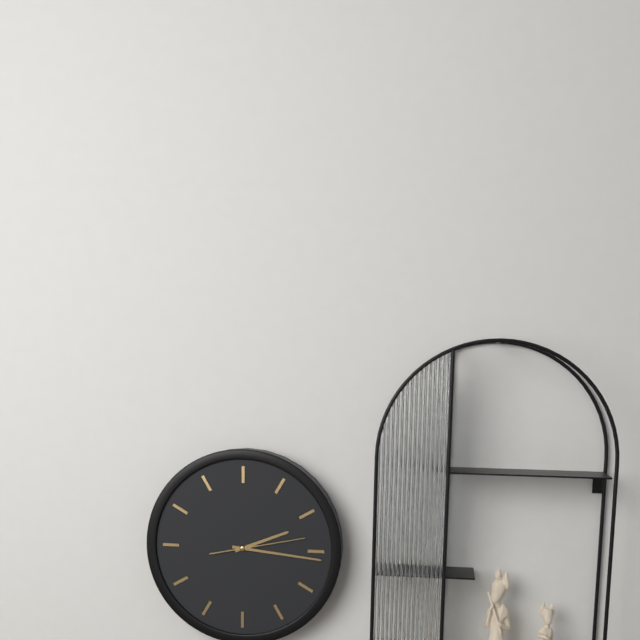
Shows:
2h16m13s
